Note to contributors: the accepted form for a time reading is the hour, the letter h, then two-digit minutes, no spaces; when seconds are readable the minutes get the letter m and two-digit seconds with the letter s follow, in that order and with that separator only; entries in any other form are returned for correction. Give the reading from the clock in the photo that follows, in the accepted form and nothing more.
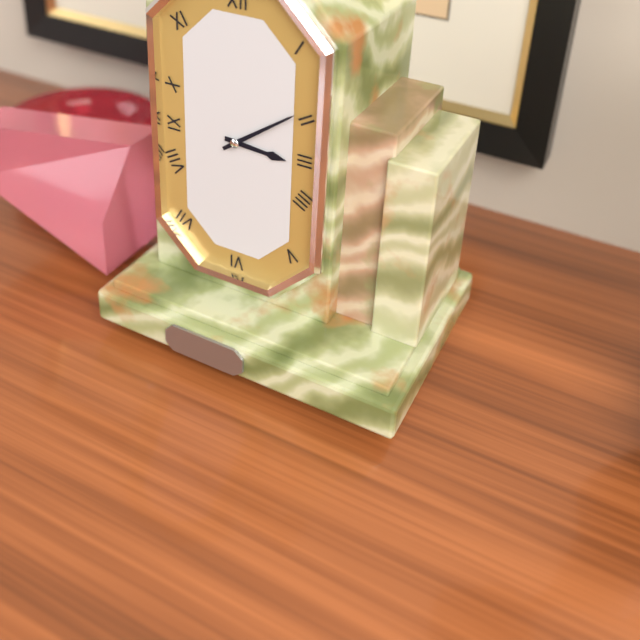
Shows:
3h09
